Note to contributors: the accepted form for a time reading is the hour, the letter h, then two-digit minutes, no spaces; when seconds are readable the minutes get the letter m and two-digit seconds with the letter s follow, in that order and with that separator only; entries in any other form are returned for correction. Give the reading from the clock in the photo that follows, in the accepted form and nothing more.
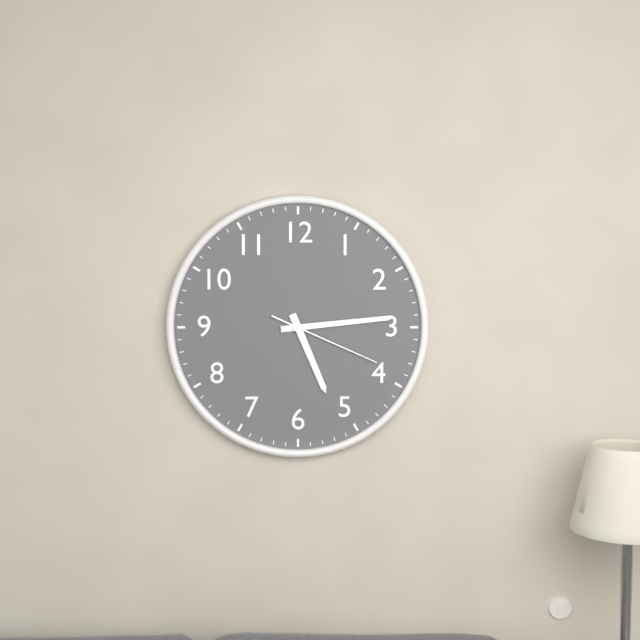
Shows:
5h14m19s
